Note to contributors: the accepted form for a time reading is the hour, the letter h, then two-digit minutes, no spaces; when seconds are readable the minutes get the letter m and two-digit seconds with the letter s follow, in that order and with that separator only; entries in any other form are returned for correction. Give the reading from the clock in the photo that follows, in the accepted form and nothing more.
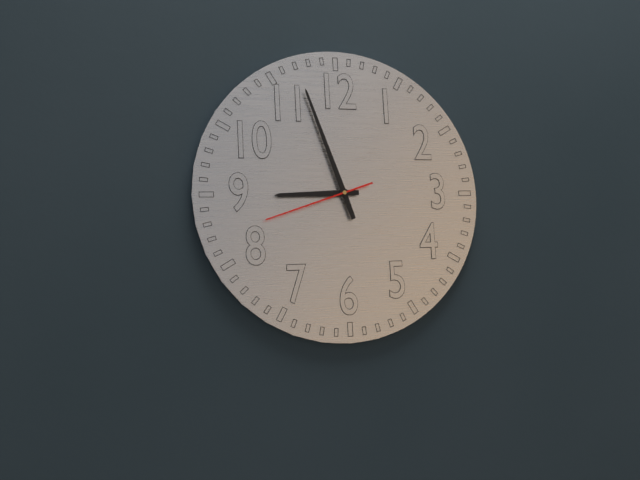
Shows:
8h57m42s
